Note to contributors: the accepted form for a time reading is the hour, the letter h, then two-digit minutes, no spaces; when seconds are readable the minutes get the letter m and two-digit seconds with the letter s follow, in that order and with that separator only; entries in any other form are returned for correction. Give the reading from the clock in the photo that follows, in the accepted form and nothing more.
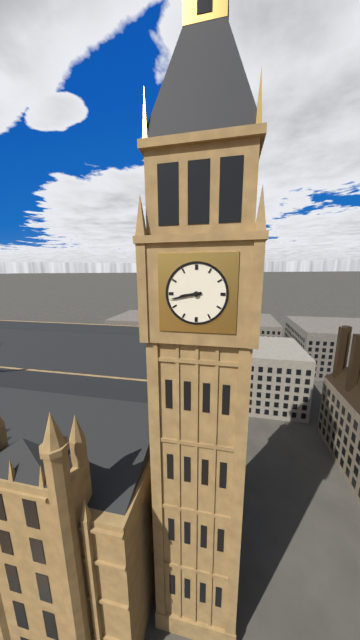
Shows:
8h43
